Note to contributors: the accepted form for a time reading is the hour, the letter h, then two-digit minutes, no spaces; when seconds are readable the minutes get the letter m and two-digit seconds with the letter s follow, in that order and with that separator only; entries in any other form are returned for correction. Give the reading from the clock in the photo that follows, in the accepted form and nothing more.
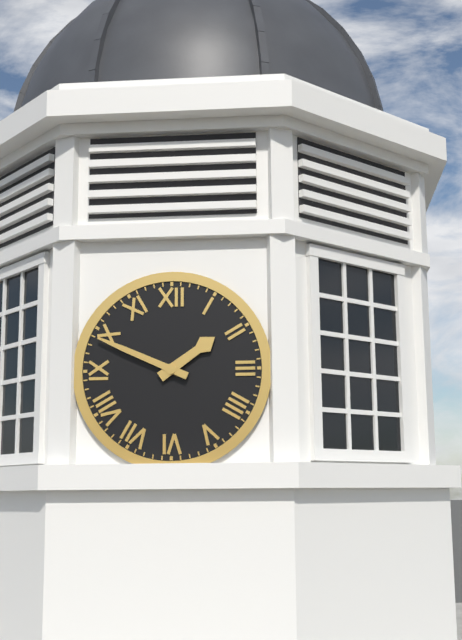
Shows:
1h49
